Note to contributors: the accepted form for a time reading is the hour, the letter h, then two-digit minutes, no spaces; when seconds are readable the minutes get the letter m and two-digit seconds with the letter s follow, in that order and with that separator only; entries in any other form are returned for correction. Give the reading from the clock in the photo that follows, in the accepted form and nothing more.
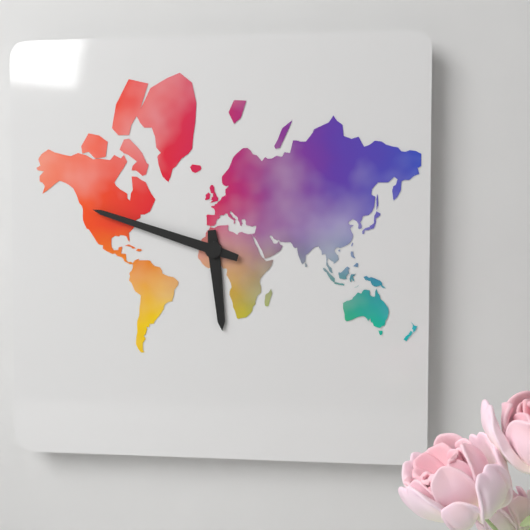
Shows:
5h48
